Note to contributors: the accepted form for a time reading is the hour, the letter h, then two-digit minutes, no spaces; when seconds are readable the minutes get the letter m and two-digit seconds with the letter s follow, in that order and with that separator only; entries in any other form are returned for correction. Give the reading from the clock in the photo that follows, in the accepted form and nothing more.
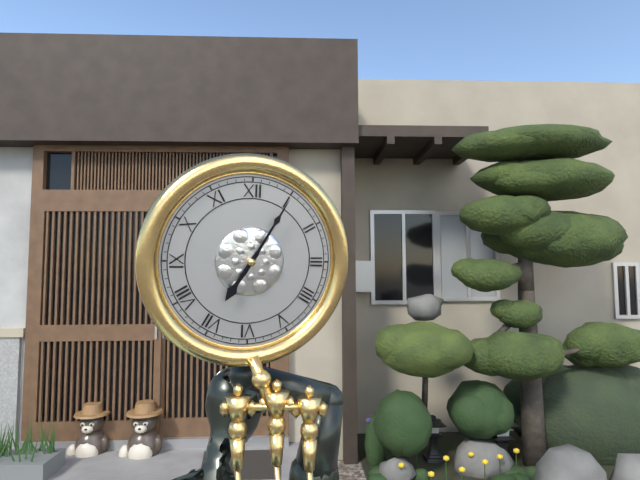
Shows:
7h05
